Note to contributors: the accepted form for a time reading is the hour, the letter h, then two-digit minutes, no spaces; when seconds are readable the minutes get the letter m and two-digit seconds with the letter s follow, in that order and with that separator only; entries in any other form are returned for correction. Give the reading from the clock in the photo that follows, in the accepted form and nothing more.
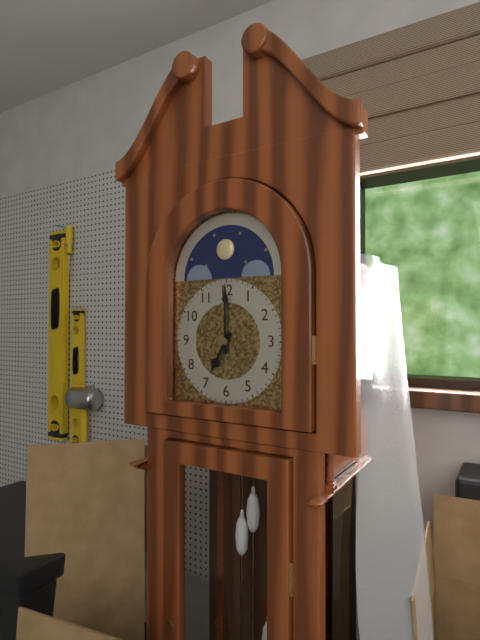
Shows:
7h00
